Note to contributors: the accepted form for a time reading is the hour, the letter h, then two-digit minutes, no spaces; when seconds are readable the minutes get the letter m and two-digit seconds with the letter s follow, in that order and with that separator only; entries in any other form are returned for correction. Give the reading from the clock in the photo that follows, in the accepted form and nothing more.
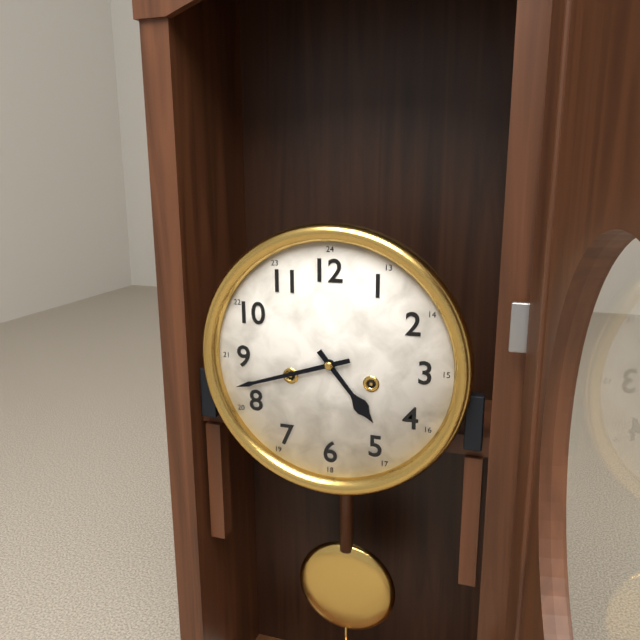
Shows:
4h42
